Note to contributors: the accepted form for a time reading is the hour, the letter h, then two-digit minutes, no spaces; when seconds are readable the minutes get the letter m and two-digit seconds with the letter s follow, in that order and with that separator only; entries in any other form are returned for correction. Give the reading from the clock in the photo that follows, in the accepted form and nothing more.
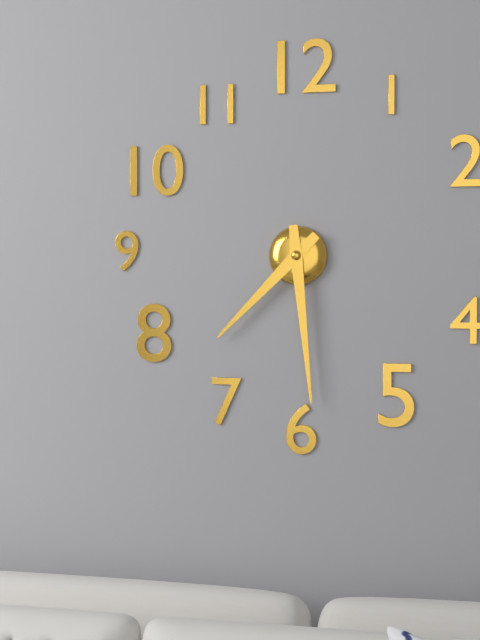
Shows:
7h29
